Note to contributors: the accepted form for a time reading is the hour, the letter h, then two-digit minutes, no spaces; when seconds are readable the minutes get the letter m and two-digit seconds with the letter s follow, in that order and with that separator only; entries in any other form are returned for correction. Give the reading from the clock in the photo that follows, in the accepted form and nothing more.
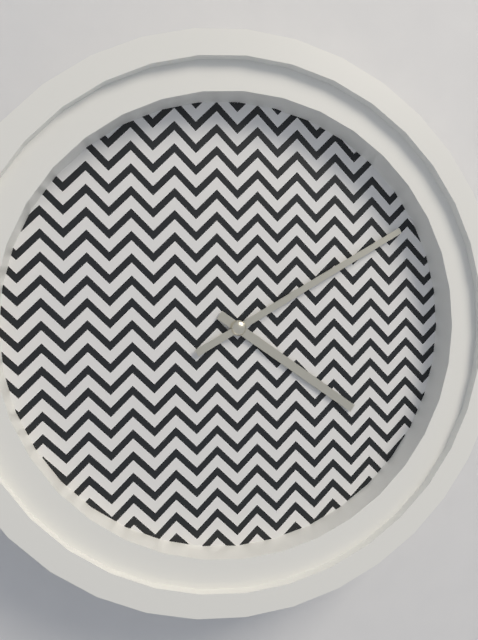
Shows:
4h10
